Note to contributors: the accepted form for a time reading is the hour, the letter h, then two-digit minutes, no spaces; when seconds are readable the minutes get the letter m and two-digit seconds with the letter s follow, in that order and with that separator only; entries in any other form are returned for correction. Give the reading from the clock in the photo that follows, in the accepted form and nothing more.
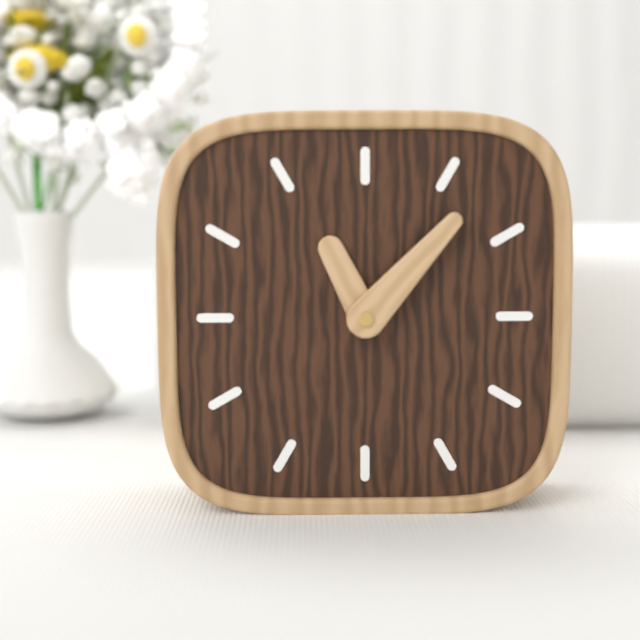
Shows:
11h07
